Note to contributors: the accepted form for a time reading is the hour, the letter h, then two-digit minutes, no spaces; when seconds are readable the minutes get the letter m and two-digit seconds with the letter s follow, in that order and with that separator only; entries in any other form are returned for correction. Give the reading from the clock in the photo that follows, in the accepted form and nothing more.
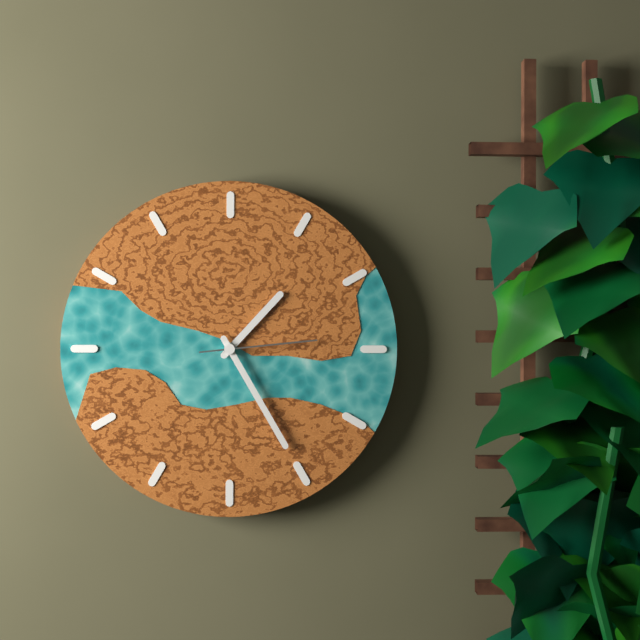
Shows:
1h25m14s
